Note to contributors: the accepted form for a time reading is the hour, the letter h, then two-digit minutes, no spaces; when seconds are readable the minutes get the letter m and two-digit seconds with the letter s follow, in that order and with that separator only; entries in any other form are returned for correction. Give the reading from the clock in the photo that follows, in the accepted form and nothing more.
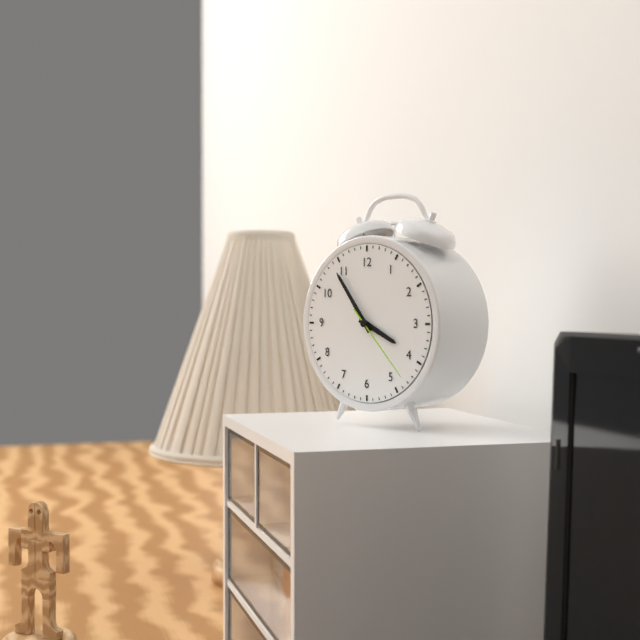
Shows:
3h54m23s
